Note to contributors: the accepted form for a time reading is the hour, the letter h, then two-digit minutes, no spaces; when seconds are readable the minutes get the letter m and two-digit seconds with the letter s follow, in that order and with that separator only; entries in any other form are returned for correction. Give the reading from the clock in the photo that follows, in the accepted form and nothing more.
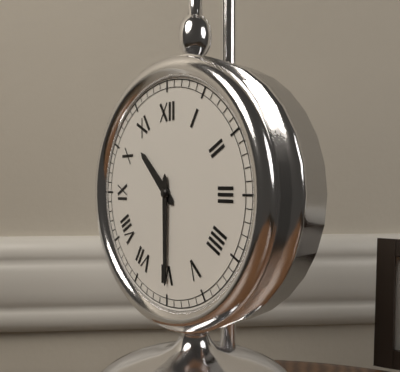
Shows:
10h30
